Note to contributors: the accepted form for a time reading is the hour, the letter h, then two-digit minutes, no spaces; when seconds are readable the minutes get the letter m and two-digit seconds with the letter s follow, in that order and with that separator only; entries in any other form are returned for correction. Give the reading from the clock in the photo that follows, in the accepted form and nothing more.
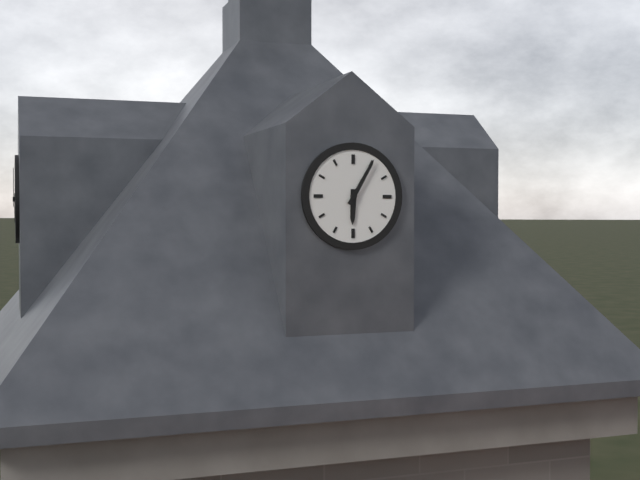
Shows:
6h05
